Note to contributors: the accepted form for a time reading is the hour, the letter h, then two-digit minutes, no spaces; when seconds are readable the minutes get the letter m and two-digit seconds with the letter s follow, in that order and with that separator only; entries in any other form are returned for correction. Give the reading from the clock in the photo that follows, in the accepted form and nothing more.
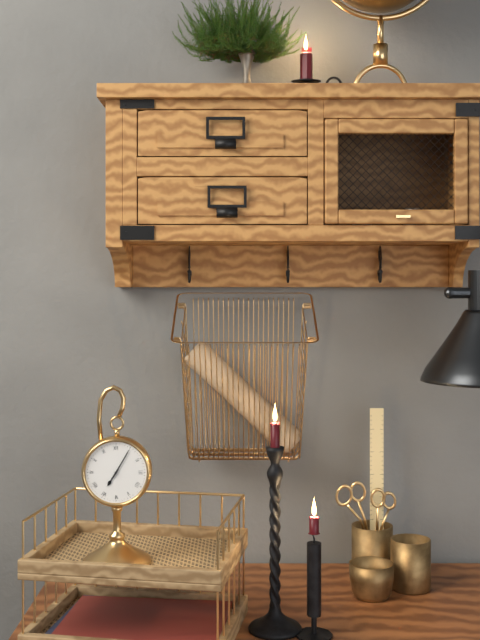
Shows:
7h05
